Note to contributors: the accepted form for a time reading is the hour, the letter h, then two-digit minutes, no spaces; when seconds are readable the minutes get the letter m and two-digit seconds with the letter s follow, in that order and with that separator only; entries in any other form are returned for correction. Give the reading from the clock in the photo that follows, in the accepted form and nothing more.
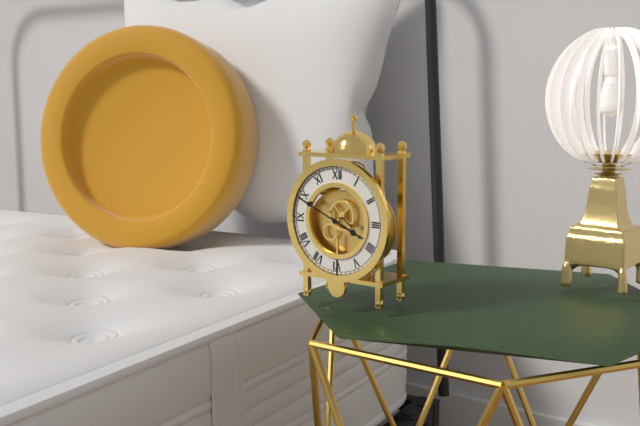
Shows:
3h49
